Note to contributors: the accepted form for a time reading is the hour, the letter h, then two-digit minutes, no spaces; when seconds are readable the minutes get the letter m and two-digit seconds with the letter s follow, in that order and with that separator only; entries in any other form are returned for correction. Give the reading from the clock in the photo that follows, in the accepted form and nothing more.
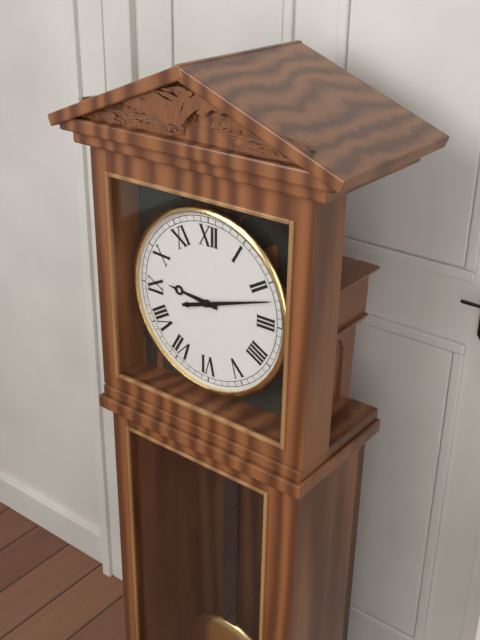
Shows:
9h12
